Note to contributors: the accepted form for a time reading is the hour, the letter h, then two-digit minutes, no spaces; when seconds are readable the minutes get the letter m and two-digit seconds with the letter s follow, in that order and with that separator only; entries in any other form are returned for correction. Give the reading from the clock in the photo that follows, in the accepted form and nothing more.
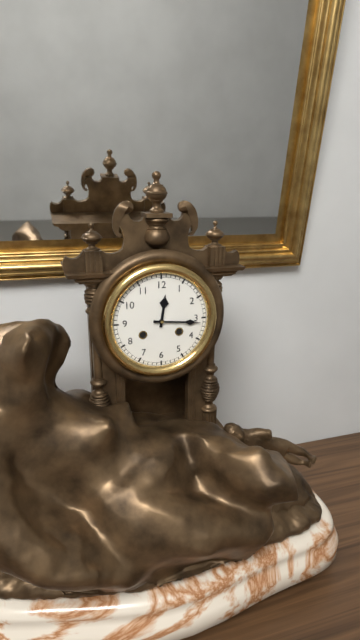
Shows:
12h16
